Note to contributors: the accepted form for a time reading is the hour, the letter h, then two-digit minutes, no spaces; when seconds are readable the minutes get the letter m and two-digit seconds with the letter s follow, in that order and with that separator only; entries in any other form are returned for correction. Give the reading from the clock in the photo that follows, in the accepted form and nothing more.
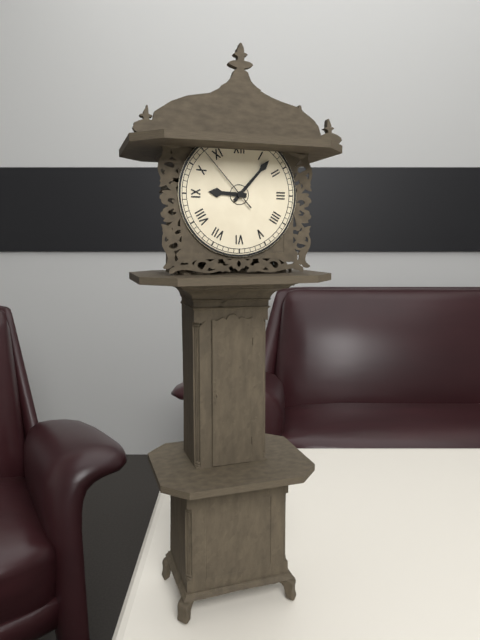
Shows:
9h07m53s
